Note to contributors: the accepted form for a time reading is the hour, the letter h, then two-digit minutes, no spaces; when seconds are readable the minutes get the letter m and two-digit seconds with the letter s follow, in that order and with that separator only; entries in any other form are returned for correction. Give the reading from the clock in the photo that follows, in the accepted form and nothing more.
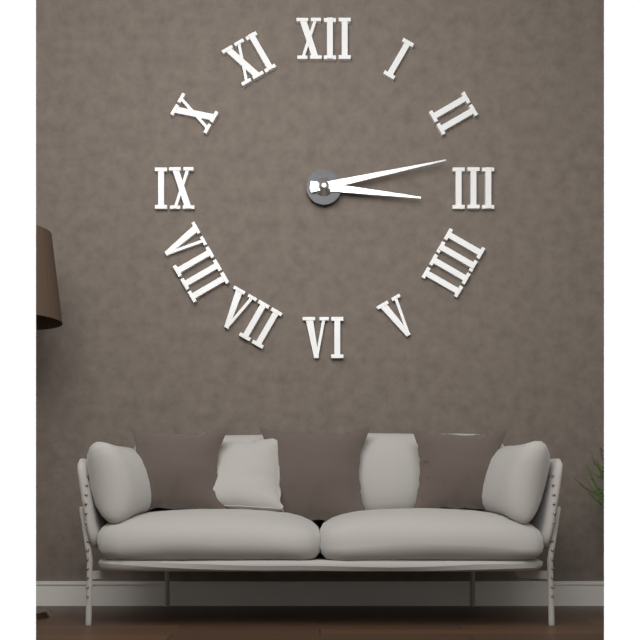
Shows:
3h13
